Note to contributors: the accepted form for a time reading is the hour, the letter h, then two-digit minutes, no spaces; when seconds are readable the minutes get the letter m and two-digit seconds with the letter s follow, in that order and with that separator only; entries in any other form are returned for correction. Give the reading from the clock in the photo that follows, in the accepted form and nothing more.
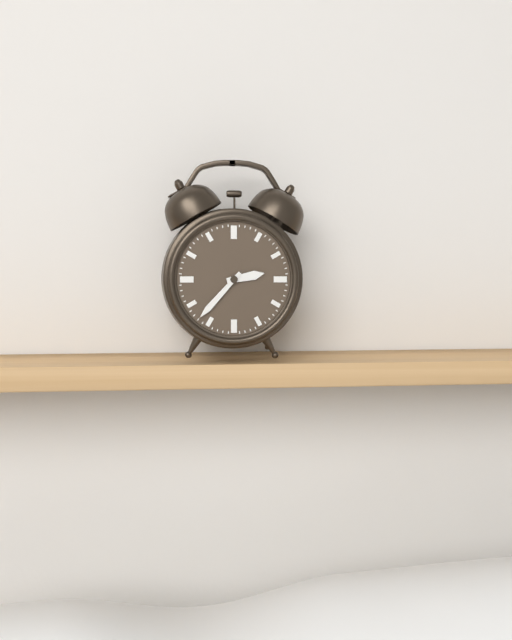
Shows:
2h37
